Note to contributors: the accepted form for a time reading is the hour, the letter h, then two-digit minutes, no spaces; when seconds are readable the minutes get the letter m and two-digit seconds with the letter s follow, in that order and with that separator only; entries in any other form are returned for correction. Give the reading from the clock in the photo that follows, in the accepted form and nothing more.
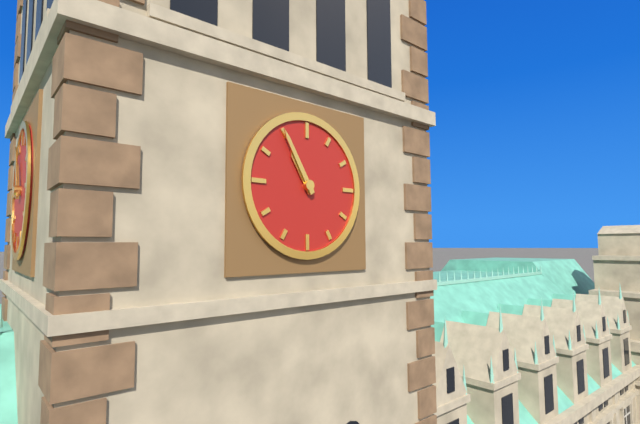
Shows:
10h55
